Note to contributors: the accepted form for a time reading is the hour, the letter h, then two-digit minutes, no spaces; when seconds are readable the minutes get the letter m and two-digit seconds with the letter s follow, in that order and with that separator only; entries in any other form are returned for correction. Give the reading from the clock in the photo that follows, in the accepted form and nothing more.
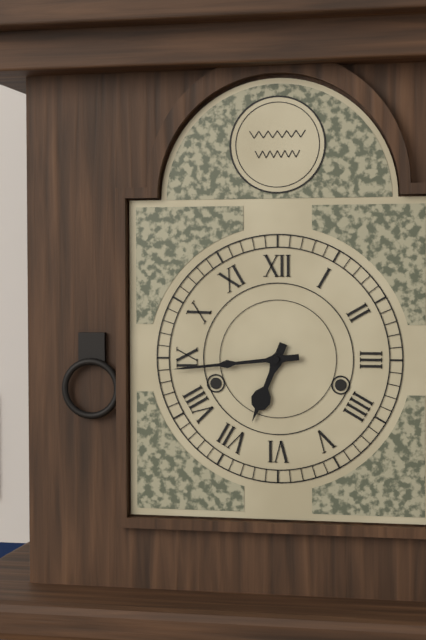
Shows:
6h44
